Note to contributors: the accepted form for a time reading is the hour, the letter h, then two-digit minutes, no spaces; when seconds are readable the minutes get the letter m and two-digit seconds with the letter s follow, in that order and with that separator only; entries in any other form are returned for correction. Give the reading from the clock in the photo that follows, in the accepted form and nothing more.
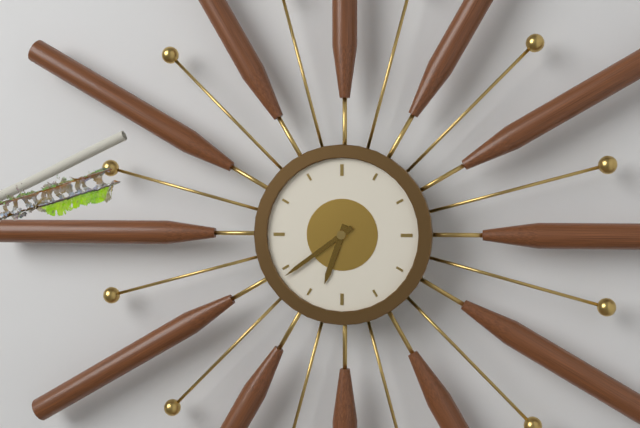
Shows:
6h39
